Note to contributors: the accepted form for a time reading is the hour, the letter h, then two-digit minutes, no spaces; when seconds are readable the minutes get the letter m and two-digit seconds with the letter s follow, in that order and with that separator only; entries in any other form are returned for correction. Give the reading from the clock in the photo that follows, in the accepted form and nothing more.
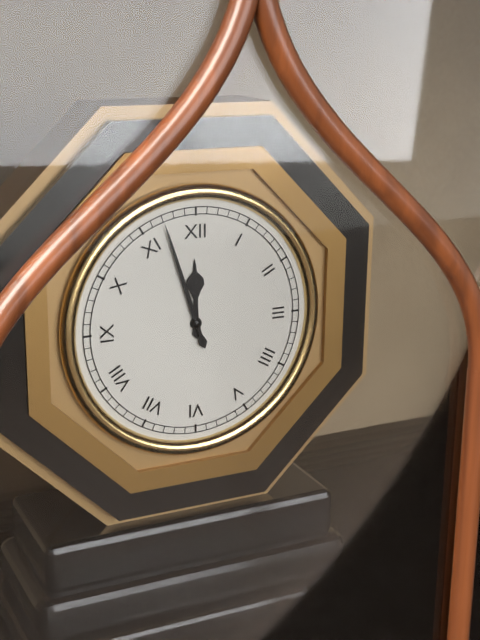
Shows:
11h57
